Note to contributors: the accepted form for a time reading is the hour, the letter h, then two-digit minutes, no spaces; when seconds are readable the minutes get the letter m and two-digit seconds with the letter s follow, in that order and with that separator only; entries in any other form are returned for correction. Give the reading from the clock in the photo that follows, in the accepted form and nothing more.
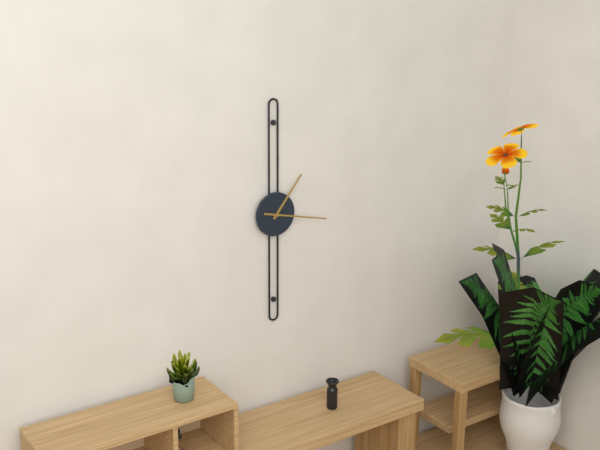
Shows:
1h17
